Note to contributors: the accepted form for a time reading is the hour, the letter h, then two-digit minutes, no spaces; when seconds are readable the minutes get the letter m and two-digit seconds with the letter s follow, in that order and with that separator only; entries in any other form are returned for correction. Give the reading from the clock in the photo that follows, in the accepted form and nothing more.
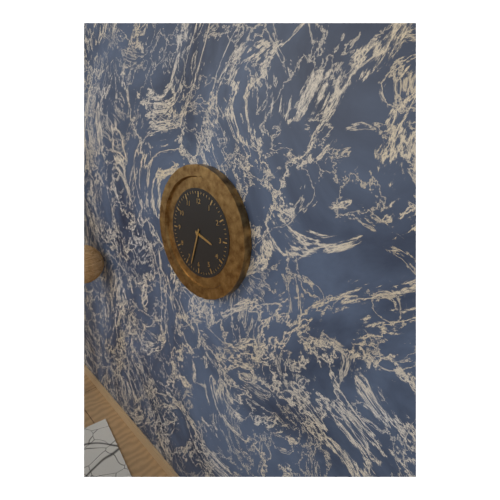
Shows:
3h33
